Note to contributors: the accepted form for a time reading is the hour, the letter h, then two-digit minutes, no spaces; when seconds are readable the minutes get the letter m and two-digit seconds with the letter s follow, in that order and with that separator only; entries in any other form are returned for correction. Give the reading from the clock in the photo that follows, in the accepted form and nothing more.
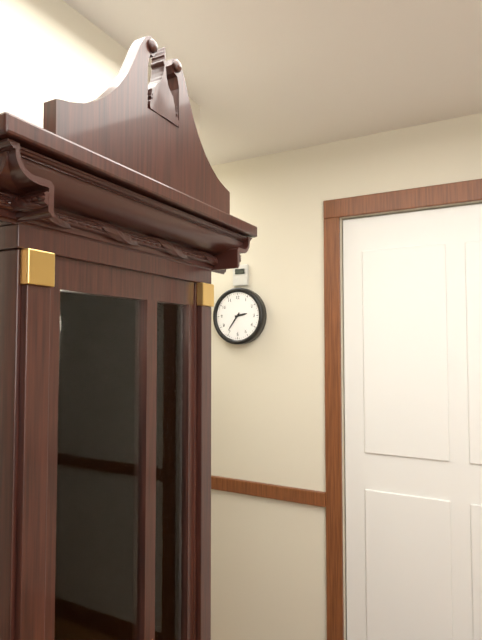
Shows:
2h36
